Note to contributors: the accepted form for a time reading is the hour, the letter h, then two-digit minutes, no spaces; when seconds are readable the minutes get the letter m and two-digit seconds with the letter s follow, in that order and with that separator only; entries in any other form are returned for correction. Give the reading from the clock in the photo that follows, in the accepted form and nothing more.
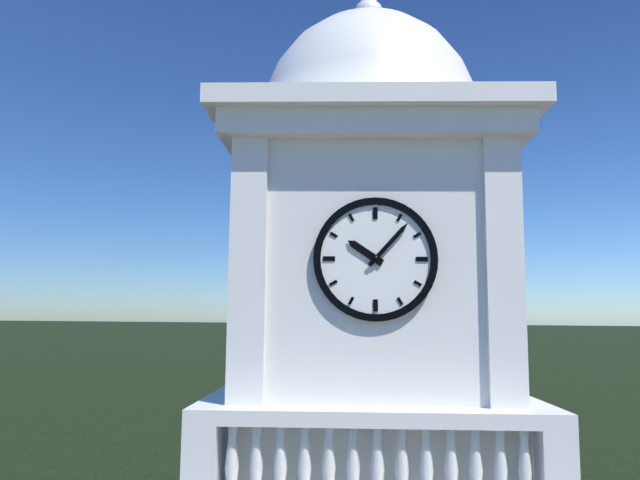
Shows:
10h07
